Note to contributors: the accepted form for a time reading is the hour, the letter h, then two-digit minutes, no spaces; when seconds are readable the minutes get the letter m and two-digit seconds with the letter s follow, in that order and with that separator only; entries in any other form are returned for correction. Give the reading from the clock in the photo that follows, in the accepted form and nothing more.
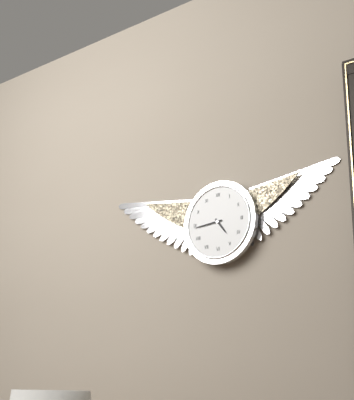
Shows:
4h44
